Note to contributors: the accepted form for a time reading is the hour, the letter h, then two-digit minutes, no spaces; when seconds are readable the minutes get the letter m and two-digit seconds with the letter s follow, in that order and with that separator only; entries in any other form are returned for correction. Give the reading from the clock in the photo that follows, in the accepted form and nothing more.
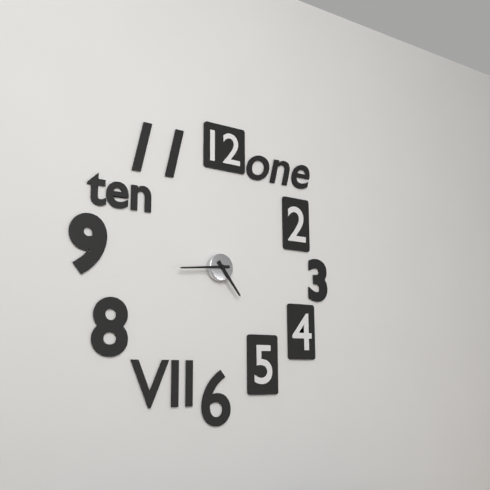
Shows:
4h44
